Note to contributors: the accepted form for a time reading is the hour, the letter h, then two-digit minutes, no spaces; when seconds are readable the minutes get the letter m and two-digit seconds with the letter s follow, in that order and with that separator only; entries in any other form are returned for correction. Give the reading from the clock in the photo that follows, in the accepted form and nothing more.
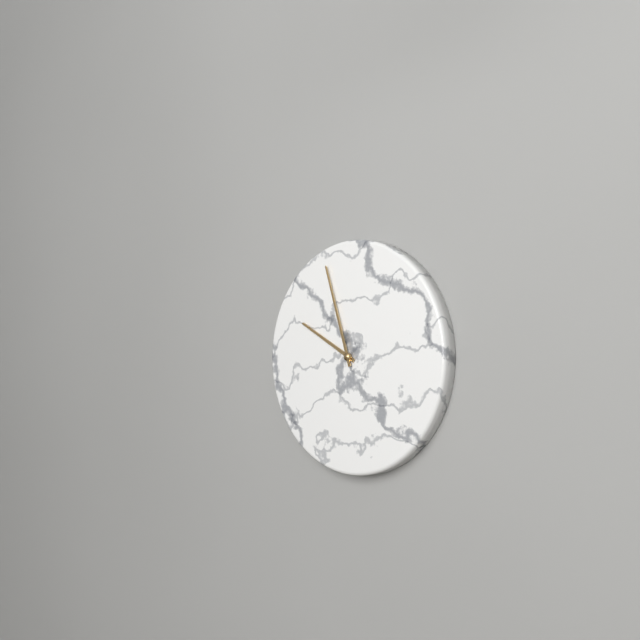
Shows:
9h57
